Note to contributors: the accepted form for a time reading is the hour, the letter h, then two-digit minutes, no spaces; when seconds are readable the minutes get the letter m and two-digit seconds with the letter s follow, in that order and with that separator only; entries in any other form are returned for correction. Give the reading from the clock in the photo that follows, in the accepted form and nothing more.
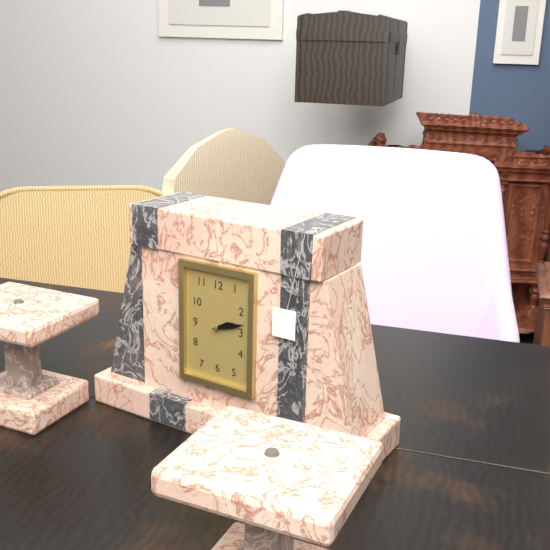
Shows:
2h12
